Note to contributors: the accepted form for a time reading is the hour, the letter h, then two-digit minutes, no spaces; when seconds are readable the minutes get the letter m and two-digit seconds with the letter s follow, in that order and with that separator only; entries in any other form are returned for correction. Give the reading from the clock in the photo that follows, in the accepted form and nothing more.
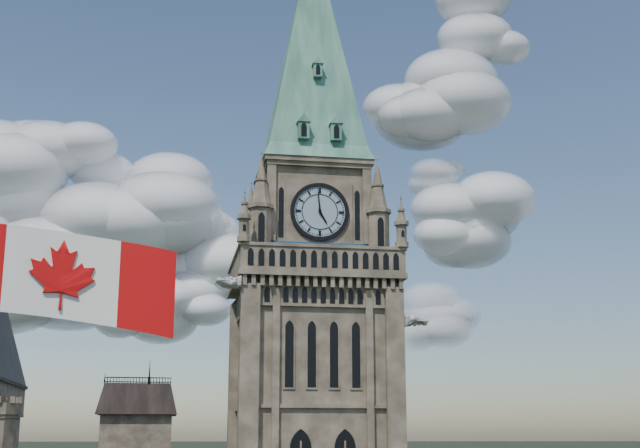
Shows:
4h59
